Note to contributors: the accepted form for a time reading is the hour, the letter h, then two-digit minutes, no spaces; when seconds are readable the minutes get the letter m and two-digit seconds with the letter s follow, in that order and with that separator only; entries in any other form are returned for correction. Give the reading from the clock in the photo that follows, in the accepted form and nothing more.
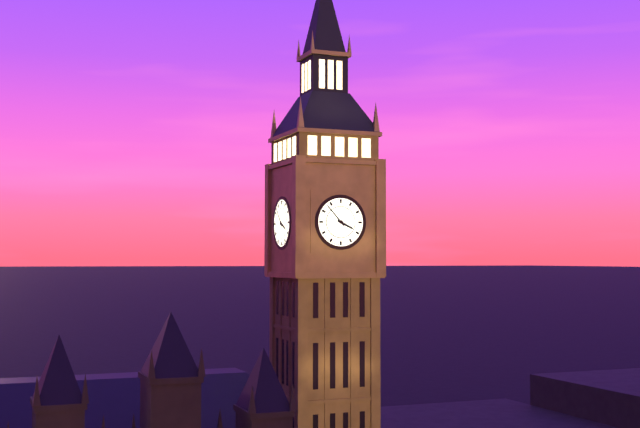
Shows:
3h53
